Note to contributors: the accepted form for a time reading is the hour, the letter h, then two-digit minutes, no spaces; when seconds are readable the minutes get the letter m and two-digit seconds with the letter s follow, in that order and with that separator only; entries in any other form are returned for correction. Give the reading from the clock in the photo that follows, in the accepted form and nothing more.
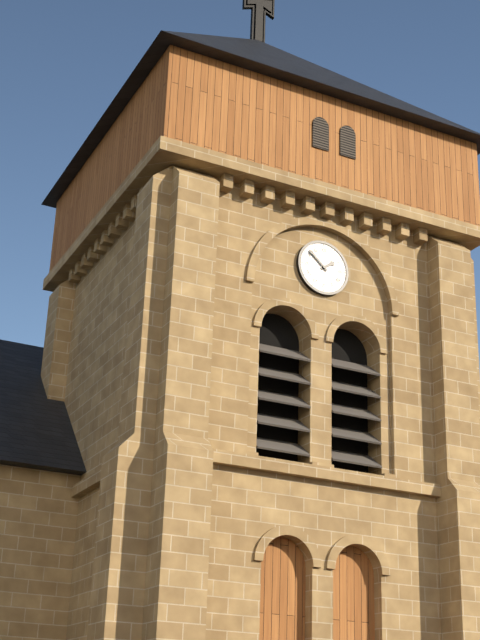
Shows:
1h52
